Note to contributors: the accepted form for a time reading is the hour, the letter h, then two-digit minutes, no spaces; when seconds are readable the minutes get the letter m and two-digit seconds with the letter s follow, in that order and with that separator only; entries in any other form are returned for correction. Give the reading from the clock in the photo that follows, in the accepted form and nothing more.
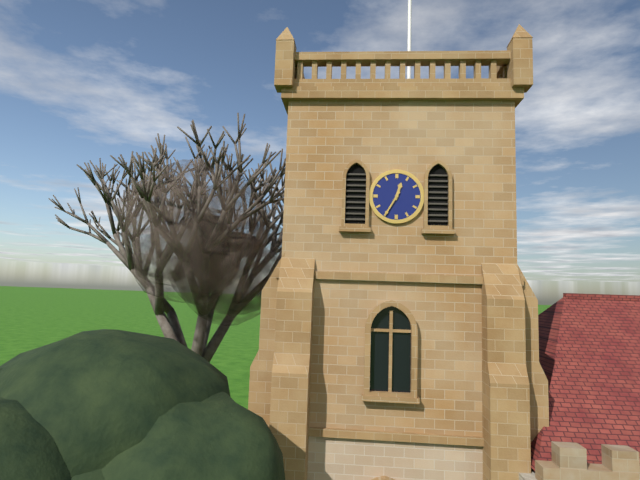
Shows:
12h35
